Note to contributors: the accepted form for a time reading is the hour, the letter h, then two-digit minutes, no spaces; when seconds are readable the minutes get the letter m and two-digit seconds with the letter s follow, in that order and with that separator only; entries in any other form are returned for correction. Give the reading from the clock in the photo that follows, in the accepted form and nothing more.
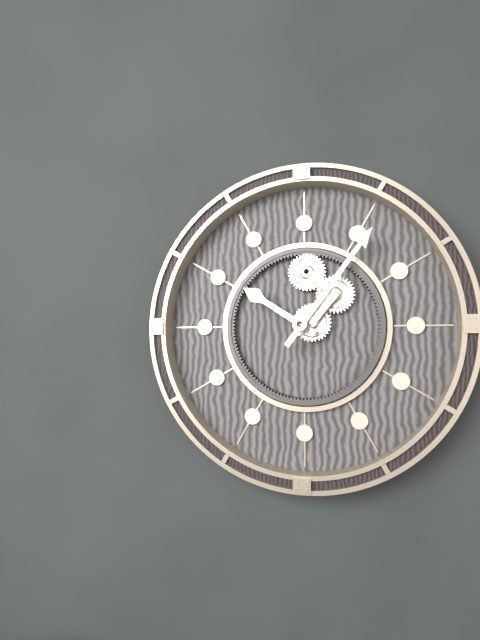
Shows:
10h06
